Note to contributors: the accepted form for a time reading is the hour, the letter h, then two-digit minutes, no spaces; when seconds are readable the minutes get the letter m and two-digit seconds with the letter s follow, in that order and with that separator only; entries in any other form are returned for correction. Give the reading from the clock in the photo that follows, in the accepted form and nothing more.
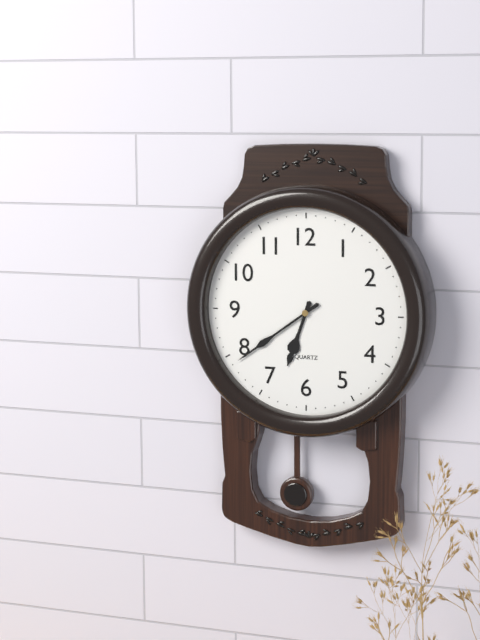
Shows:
6h39
